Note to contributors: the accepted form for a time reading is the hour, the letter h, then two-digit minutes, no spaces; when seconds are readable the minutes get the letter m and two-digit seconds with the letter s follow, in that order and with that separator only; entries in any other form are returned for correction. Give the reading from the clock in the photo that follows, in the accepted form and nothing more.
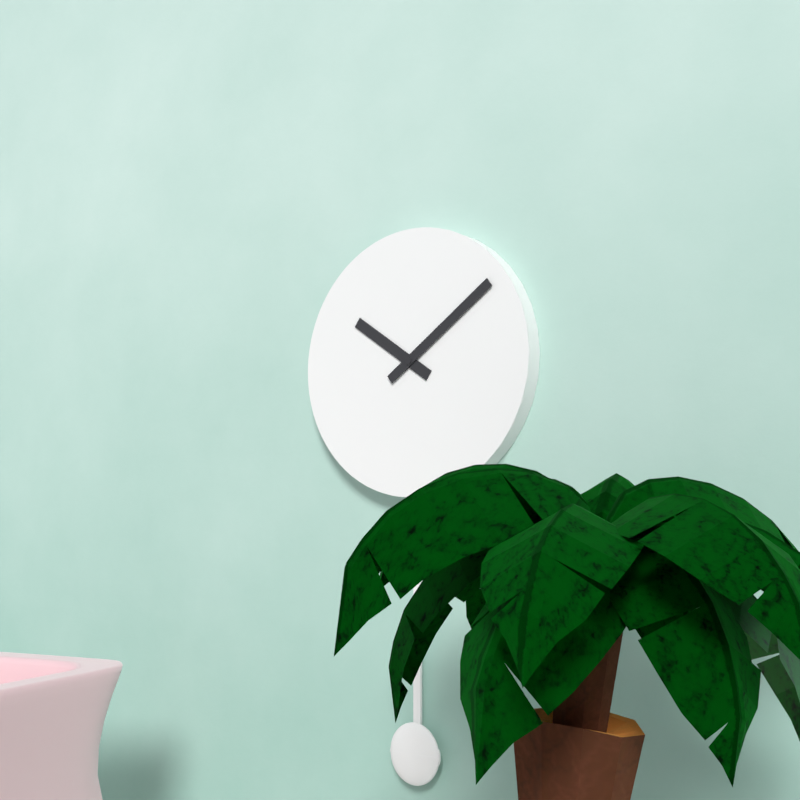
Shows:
10h09
